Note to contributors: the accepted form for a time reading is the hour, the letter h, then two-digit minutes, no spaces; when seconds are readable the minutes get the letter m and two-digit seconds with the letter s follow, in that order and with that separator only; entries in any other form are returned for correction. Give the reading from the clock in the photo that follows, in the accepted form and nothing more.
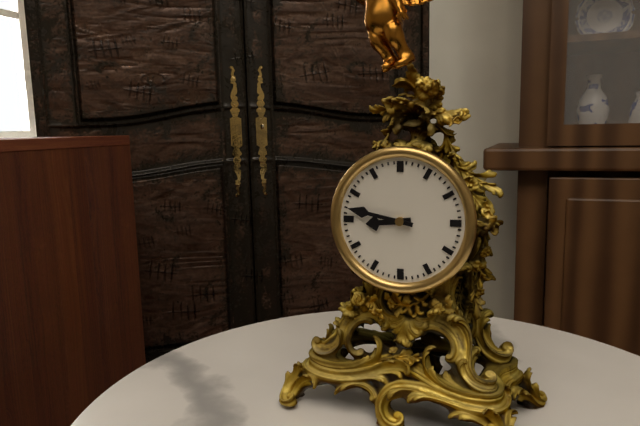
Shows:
8h47
